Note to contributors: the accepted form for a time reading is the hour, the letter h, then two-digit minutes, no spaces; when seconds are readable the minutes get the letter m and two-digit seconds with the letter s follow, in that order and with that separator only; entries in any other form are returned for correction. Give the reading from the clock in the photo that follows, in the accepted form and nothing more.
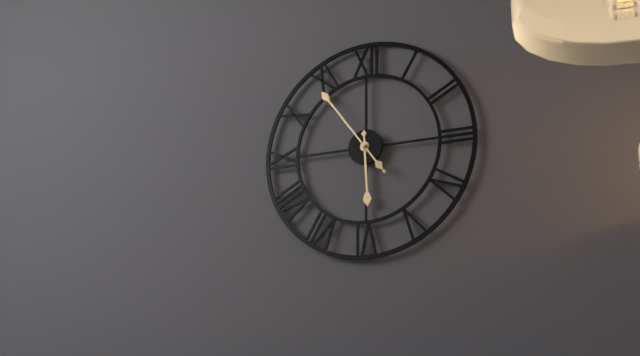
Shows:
5h54
